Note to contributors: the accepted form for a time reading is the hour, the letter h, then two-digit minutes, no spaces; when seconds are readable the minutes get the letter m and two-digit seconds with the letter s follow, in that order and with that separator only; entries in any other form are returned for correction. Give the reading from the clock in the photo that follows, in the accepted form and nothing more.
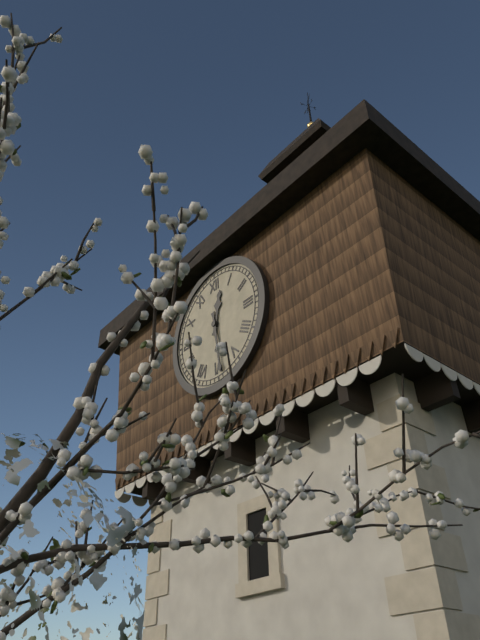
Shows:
12h29
